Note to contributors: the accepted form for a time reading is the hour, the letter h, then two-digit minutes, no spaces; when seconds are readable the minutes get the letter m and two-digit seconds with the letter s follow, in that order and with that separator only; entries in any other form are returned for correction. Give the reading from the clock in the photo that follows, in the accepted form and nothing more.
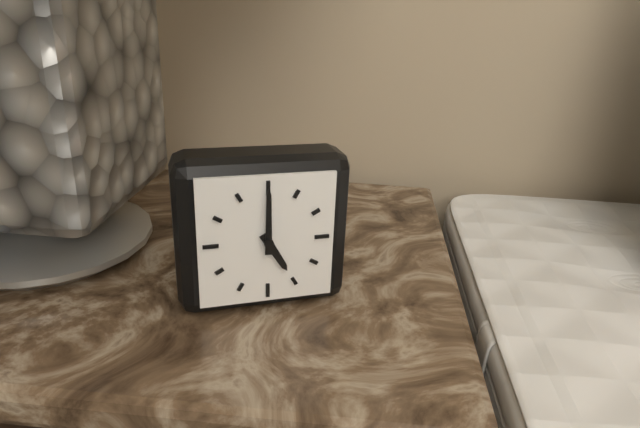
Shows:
5h00
